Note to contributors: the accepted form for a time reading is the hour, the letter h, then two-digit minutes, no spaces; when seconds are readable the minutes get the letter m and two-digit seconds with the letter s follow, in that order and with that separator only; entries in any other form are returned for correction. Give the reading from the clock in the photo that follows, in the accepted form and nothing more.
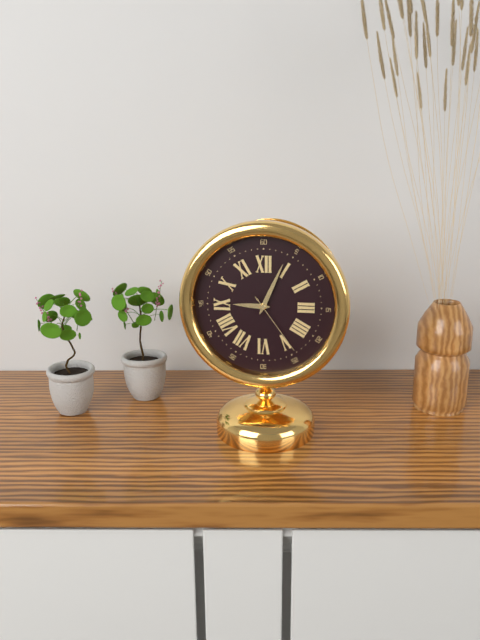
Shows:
9h04m24s
